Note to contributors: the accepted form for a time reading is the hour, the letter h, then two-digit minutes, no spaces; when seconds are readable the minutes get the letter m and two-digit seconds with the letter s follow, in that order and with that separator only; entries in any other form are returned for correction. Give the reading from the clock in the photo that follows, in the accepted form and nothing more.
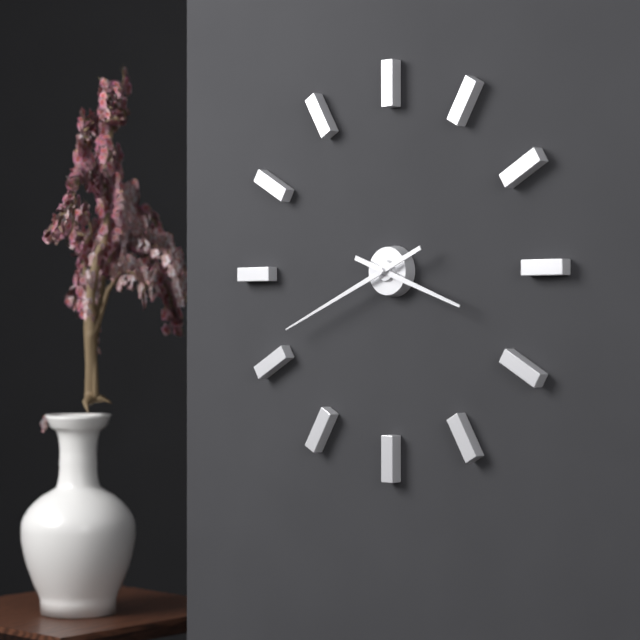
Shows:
3h41
